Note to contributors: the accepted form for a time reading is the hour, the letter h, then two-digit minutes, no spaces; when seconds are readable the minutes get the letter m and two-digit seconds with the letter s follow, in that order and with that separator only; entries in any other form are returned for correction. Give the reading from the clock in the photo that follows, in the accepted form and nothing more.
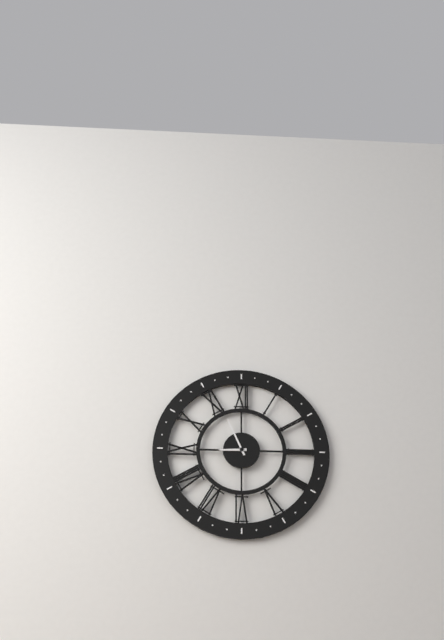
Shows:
8h56
